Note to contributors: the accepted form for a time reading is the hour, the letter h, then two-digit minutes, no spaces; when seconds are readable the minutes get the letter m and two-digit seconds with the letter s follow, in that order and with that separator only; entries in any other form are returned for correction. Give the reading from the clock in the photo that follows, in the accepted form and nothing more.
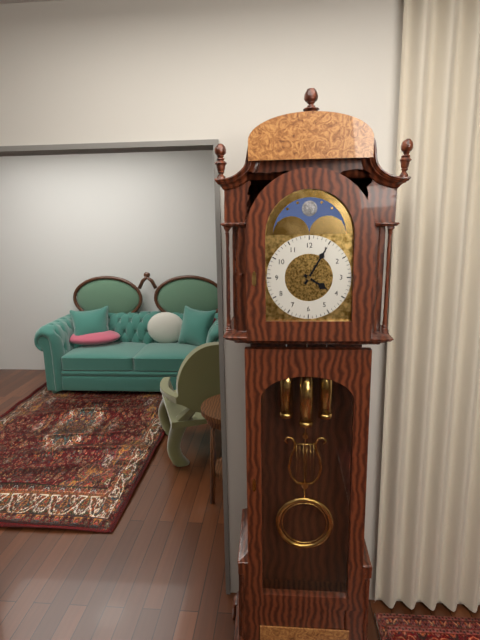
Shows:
4h05
